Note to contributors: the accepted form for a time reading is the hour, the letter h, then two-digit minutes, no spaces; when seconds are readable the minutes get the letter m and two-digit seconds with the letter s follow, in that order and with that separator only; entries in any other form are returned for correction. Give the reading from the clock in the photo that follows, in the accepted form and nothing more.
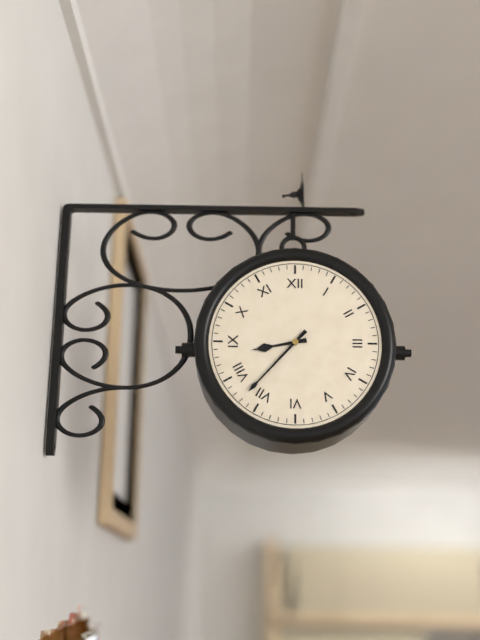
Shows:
8h37
